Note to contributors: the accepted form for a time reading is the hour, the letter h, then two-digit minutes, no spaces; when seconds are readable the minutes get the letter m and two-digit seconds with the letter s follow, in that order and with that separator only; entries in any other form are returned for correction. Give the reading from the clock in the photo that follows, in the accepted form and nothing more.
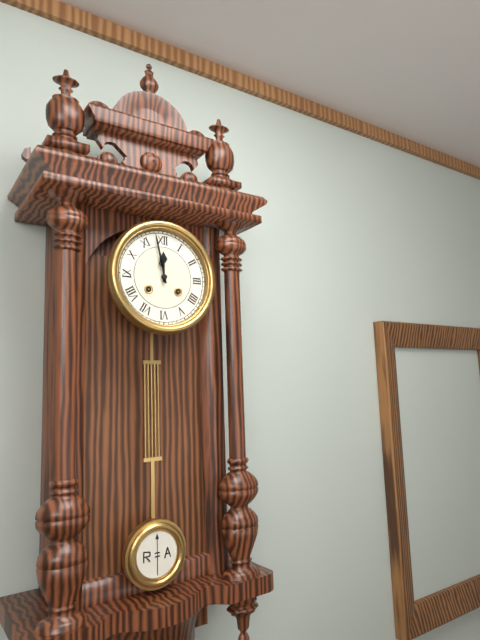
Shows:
11h58
